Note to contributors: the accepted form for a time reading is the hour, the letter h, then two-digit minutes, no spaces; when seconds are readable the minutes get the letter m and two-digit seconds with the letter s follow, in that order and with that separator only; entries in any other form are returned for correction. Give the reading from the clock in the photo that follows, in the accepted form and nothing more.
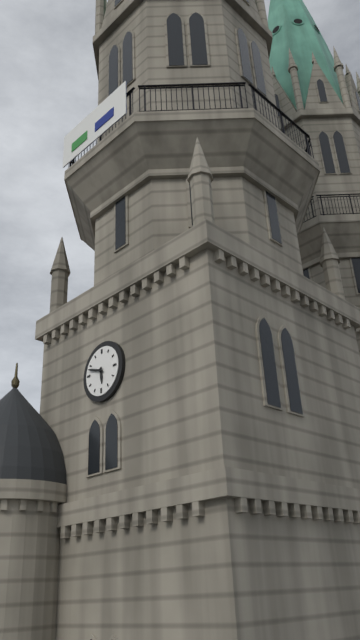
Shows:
5h48
